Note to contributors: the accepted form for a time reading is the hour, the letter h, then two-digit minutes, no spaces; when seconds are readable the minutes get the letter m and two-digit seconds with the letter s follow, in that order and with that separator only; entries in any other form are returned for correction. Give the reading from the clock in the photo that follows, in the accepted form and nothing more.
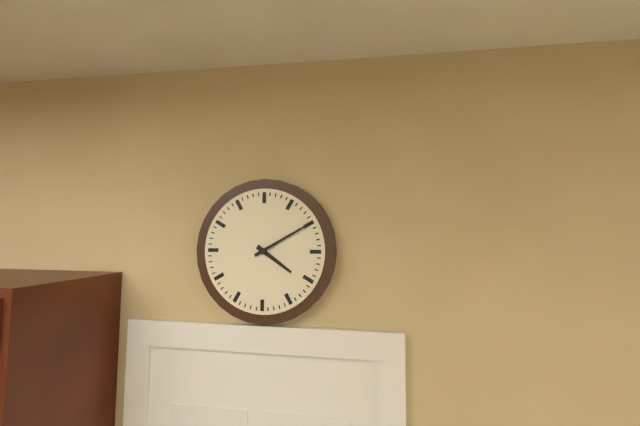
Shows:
4h10
